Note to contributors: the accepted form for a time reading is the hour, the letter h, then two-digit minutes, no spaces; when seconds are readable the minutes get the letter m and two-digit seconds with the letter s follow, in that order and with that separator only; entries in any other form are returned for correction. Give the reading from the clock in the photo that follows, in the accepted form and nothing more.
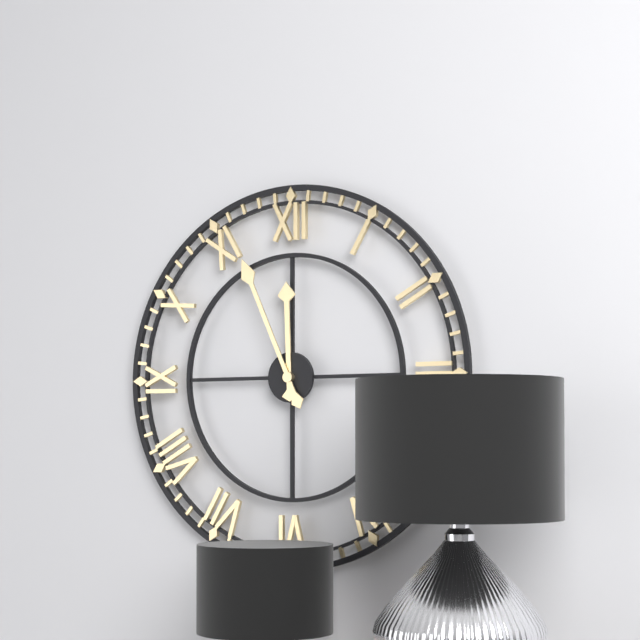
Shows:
11h56
